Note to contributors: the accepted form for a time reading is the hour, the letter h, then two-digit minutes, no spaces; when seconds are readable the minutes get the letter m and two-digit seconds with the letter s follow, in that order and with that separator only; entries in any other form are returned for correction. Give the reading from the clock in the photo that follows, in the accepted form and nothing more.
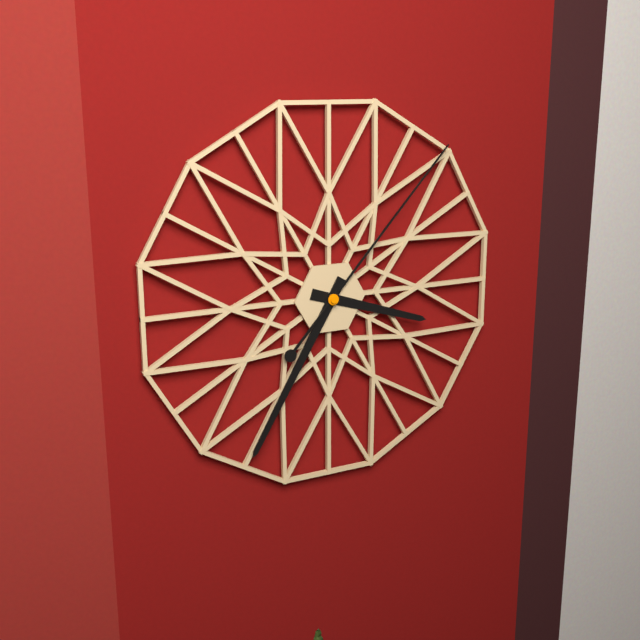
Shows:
3h35m07s
